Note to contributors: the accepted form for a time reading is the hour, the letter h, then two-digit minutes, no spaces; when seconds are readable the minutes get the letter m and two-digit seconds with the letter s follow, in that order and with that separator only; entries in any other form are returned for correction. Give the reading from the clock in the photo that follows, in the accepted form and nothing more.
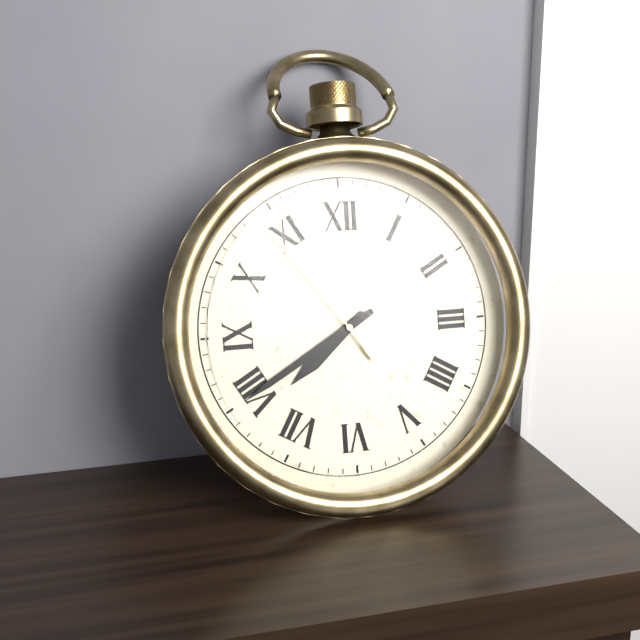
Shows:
7h40m54s
